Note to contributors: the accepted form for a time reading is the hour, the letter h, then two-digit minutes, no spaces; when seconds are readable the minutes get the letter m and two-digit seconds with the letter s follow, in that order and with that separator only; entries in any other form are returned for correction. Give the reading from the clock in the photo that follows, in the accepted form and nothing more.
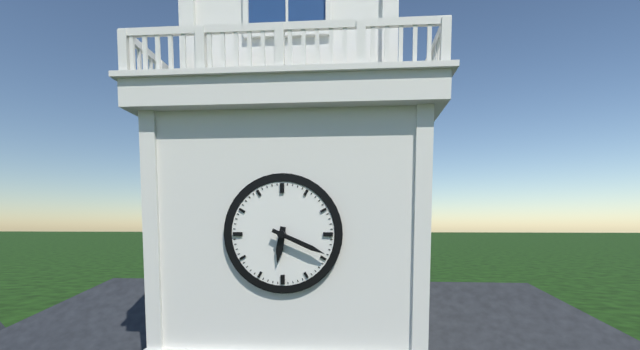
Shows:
6h19
